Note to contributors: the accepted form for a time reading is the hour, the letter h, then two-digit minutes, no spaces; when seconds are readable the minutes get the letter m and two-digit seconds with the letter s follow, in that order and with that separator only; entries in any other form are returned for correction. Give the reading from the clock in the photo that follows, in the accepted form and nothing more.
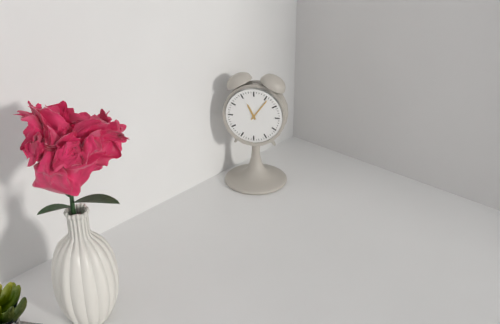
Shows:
11h06
